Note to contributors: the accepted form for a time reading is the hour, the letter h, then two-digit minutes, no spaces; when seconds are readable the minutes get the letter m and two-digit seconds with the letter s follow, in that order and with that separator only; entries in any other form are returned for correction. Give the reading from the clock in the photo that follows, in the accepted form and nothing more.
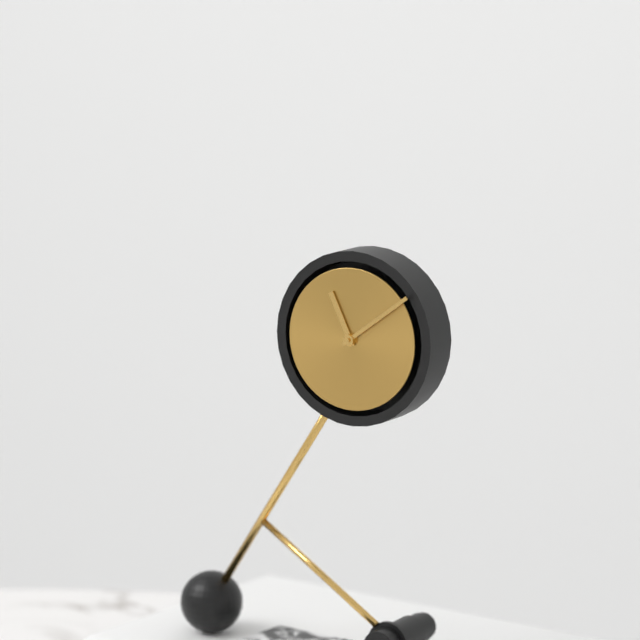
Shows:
11h09
